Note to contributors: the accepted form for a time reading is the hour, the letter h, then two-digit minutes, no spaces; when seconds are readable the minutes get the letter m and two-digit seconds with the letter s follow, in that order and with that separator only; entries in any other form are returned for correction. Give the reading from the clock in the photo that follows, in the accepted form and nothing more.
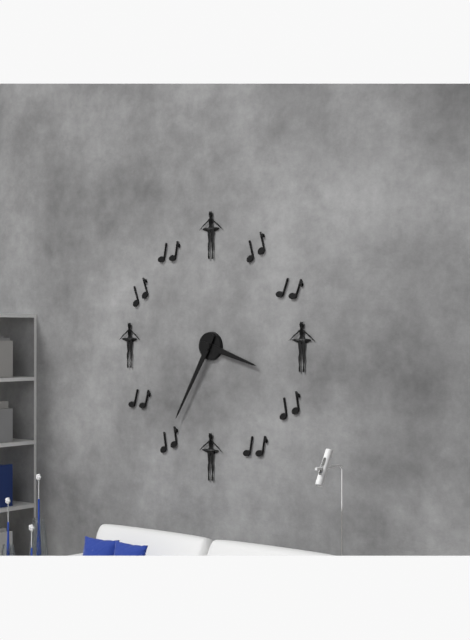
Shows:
3h35
